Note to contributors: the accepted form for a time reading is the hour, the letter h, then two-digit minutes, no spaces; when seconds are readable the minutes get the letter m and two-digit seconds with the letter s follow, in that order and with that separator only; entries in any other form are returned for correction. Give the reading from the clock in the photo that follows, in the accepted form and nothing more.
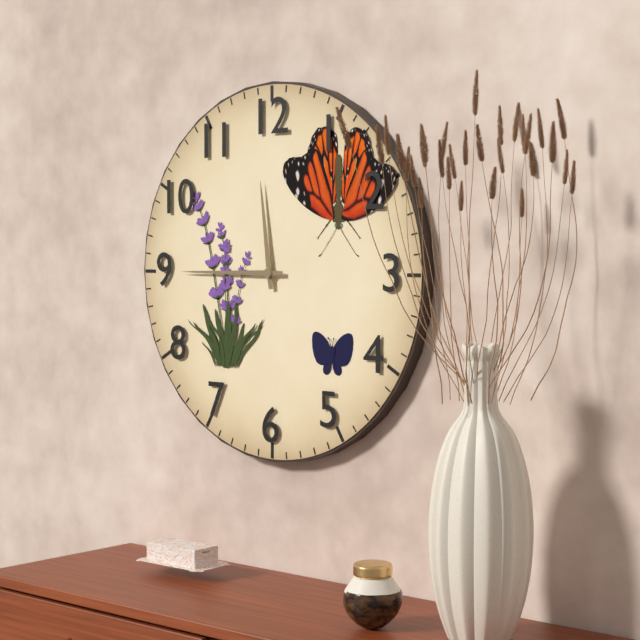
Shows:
11h45
